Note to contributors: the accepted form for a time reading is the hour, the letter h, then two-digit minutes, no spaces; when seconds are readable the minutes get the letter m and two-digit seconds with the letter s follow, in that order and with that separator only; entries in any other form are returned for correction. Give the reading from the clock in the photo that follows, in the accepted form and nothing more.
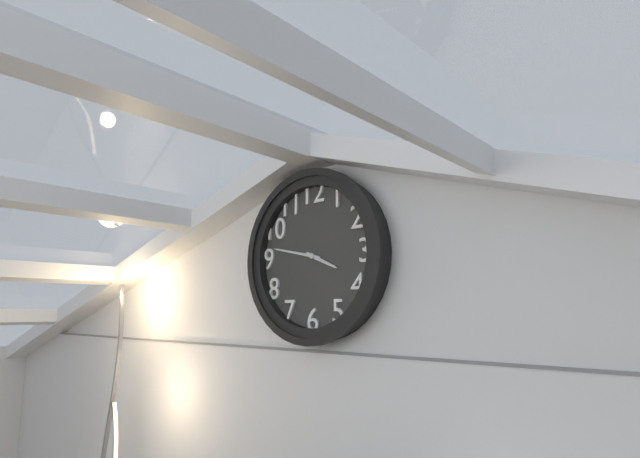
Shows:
3h47
